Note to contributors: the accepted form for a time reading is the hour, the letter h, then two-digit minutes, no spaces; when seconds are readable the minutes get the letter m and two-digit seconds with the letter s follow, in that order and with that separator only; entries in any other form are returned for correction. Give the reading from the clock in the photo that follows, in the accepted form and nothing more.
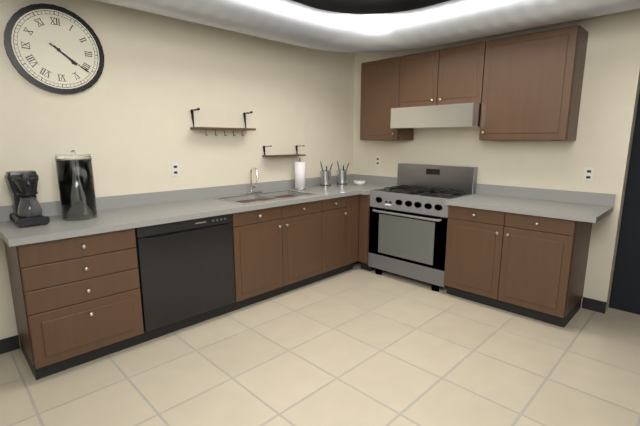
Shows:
4h21
